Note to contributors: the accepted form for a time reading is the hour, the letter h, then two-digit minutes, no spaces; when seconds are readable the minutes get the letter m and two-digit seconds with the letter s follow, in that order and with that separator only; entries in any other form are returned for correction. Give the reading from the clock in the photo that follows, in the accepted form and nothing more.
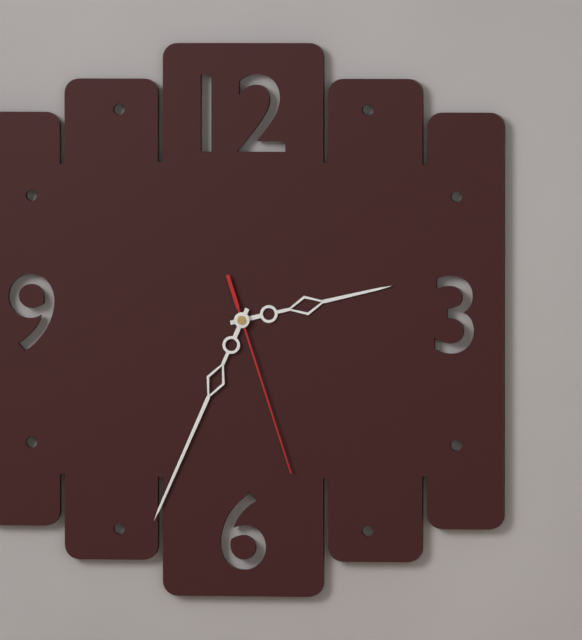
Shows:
2h34m27s
